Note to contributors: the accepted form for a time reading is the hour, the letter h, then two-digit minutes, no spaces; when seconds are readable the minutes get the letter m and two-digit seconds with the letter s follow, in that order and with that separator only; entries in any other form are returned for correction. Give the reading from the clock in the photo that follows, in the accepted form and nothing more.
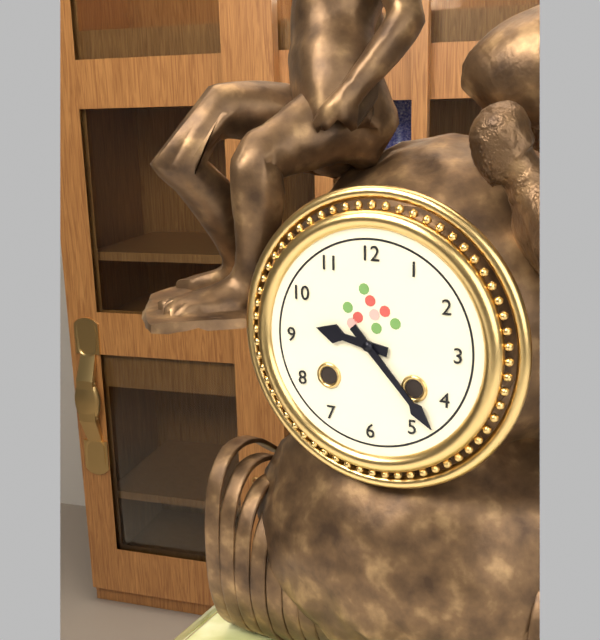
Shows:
9h23
